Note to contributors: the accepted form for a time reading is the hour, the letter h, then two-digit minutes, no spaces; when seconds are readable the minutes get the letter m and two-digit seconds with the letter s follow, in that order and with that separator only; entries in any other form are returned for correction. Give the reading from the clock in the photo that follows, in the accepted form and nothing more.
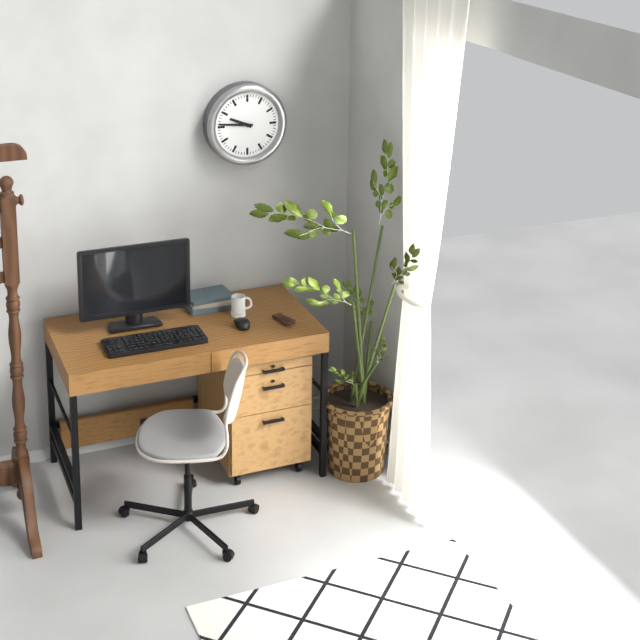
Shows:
9h46
